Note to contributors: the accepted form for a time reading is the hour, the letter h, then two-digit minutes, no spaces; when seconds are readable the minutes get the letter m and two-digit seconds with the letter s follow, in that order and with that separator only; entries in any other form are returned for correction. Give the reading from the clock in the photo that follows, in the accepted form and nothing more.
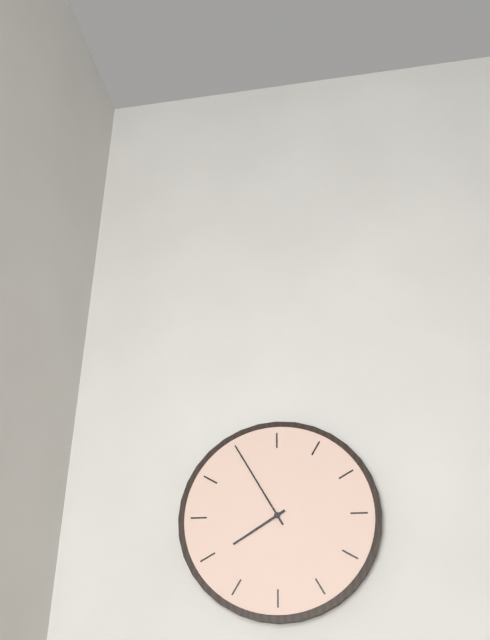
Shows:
7h55
